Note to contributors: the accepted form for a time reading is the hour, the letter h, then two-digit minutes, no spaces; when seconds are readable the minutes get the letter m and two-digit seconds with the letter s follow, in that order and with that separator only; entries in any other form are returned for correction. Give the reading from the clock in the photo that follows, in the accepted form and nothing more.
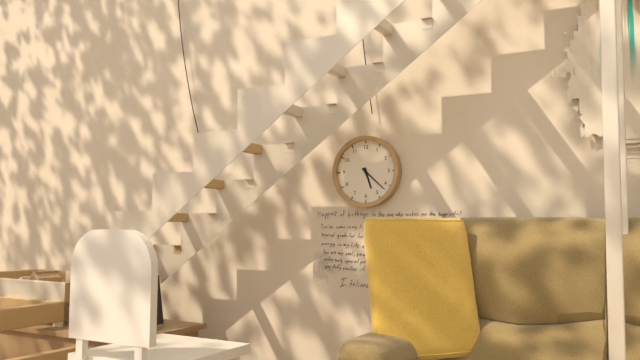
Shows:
5h22
